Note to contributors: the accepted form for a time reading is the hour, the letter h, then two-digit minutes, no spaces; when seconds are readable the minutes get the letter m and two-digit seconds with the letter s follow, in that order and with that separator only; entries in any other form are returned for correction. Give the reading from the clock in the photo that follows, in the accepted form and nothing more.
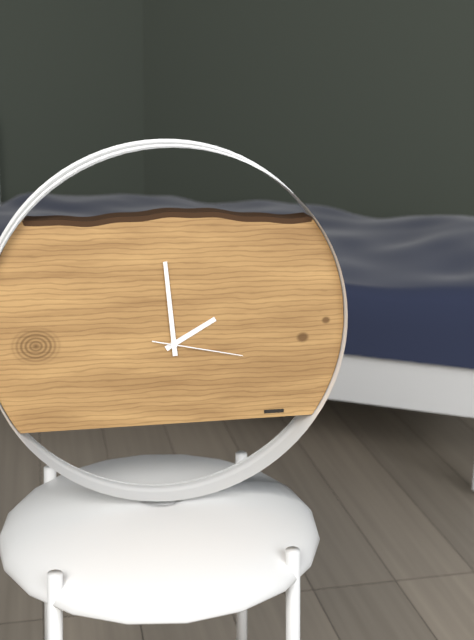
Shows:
1h59m17s
